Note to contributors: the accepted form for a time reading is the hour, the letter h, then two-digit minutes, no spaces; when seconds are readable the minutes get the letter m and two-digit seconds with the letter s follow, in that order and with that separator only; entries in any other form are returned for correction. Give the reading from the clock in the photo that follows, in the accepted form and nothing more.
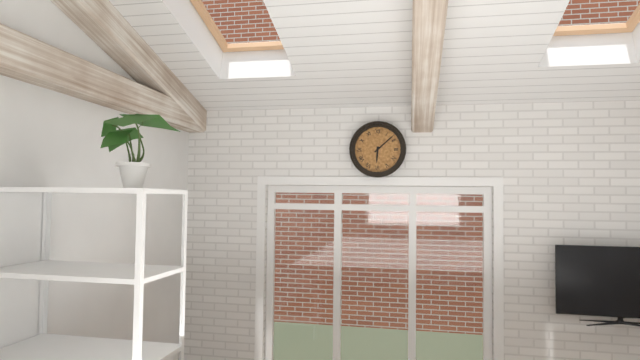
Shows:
6h08
